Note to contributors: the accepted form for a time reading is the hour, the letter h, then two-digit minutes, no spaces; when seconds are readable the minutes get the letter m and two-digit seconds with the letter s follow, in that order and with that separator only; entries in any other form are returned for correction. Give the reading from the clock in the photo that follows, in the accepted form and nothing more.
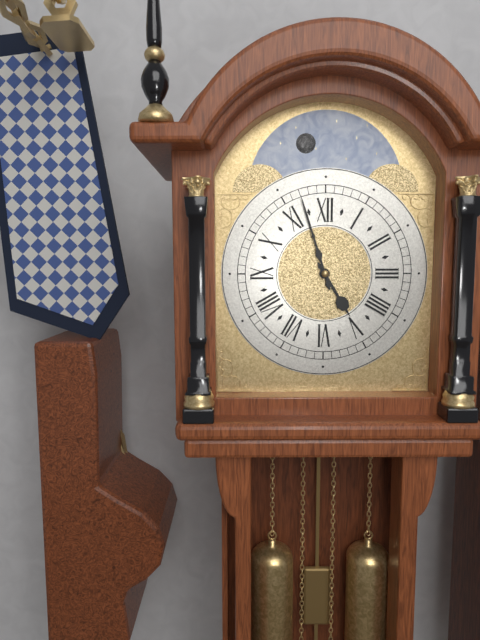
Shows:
4h57
